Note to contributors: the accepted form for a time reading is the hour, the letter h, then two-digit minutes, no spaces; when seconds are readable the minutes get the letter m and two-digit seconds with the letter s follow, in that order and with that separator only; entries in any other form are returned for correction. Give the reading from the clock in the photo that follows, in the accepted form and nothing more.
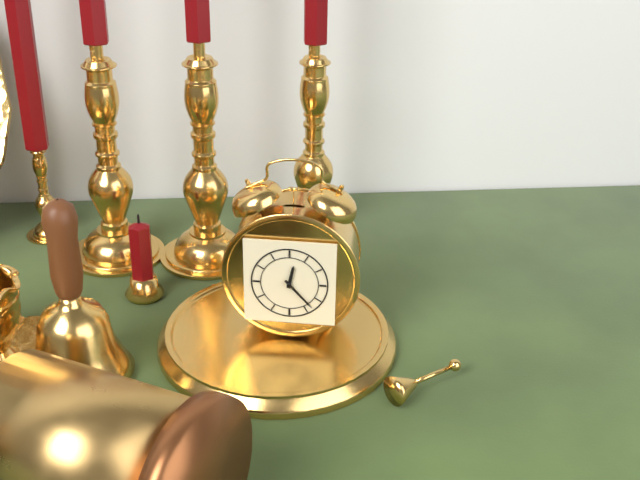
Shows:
12h23
